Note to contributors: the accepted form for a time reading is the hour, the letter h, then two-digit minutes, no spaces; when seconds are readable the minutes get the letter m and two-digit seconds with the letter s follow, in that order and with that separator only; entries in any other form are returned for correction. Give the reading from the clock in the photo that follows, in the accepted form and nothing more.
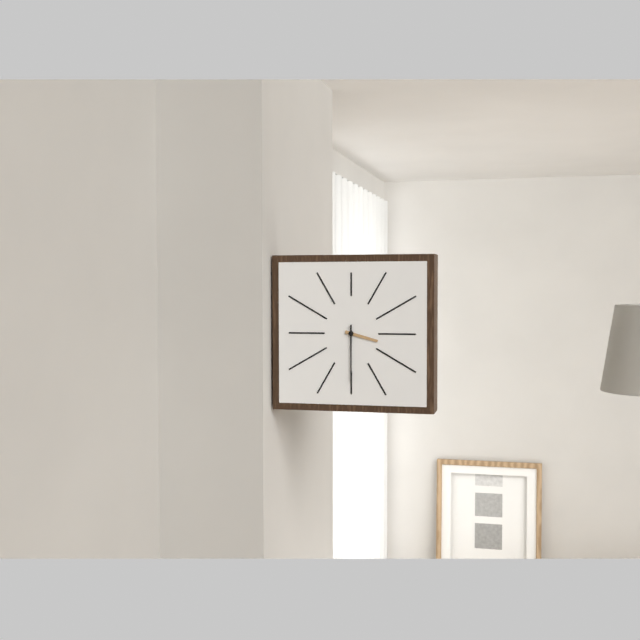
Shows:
3h30
